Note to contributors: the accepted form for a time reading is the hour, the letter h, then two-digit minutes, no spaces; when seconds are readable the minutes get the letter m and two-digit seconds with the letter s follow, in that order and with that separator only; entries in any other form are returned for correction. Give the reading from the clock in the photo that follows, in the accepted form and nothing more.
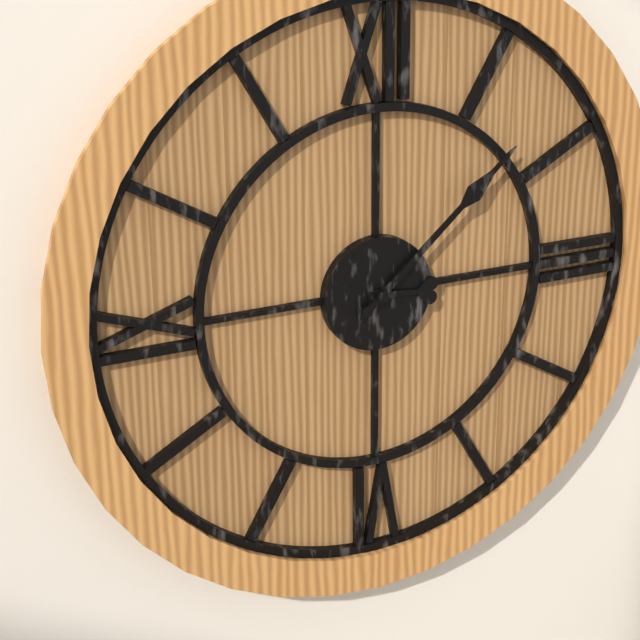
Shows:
3h08
